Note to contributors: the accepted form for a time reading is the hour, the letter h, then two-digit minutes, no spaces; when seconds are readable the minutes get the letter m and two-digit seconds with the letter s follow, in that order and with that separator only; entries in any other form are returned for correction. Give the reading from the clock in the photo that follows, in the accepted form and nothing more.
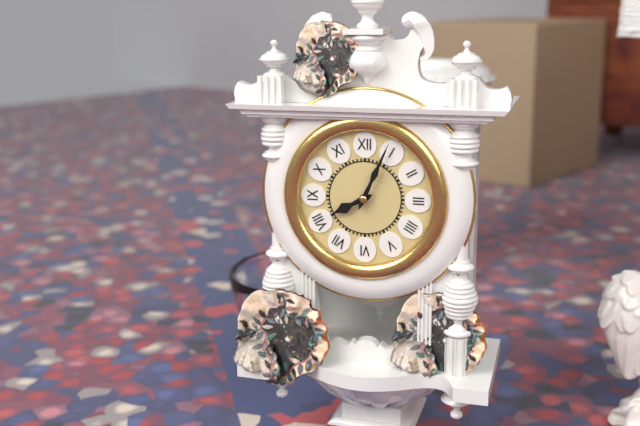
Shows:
8h04
